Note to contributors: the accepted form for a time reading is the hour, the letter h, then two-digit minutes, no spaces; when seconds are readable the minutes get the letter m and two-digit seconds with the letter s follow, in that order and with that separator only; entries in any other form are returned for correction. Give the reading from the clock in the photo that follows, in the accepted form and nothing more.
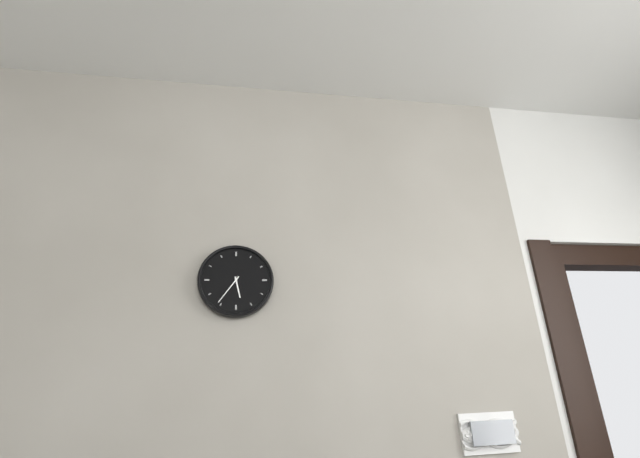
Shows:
5h36
